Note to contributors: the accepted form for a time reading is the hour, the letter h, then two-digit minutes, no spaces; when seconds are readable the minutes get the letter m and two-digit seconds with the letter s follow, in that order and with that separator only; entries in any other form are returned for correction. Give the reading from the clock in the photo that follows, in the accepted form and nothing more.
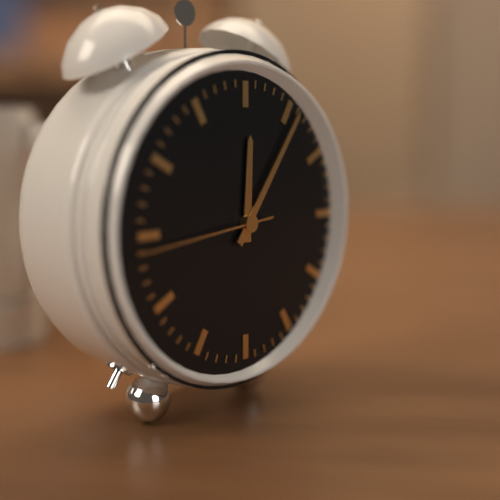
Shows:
12h06m44s
